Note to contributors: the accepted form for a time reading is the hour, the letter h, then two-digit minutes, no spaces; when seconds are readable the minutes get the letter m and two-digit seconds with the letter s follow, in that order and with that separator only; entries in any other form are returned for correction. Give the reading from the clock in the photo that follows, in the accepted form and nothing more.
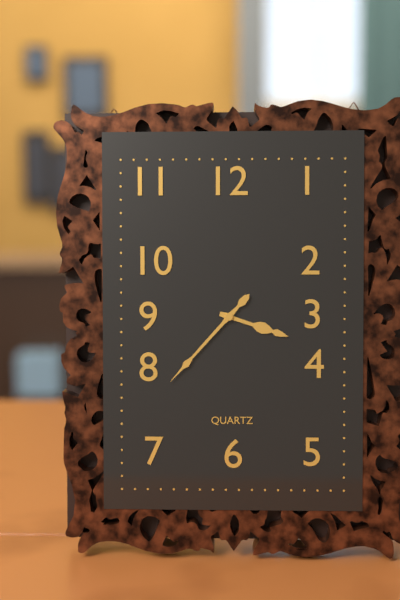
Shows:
3h37
